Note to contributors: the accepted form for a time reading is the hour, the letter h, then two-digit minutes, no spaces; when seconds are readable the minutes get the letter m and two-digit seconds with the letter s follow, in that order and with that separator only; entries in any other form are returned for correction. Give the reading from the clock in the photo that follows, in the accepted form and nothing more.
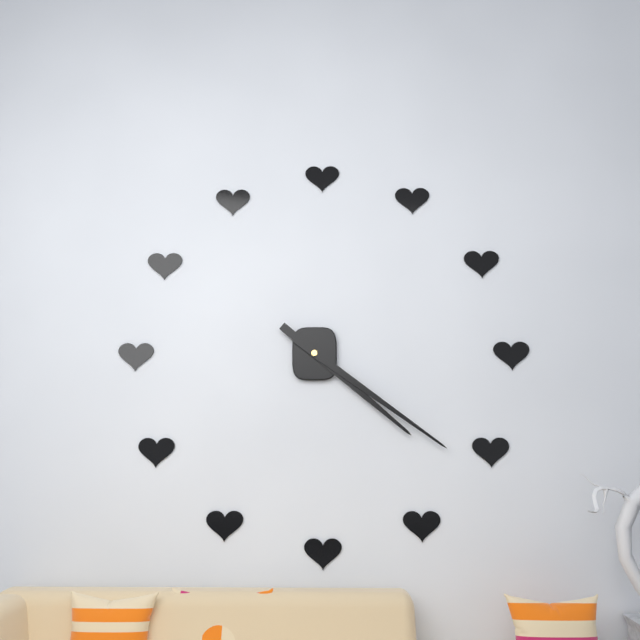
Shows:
4h21
